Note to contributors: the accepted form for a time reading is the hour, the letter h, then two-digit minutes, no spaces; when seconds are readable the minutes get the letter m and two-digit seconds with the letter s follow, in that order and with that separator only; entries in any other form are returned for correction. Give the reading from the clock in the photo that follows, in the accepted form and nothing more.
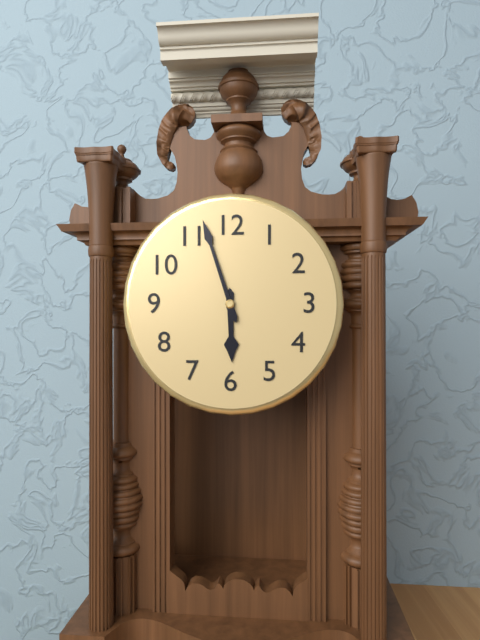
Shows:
5h57
